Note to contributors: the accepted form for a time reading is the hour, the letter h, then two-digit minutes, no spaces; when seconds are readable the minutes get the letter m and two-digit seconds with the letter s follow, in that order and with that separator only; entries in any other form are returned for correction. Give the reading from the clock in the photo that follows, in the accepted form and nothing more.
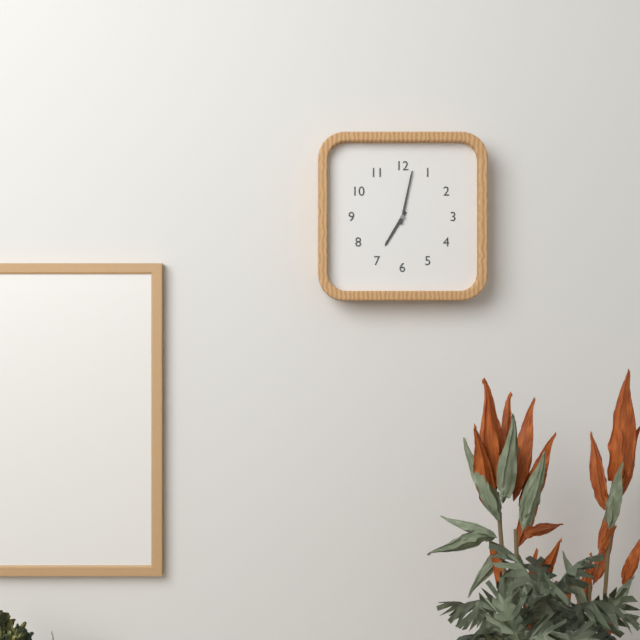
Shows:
7h02
